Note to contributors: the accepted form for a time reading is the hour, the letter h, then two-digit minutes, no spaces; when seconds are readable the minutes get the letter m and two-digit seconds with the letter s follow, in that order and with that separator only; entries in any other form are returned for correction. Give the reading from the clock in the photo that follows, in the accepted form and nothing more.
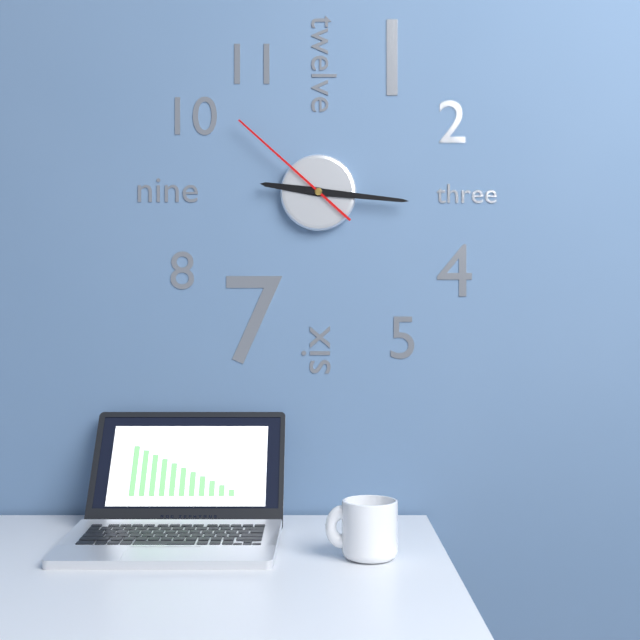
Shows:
9h16m52s
